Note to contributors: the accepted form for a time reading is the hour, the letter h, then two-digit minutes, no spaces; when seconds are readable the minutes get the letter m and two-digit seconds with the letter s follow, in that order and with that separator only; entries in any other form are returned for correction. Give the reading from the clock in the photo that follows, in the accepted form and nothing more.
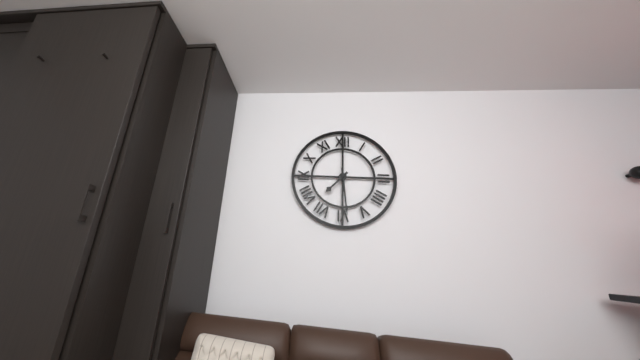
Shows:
7h29
